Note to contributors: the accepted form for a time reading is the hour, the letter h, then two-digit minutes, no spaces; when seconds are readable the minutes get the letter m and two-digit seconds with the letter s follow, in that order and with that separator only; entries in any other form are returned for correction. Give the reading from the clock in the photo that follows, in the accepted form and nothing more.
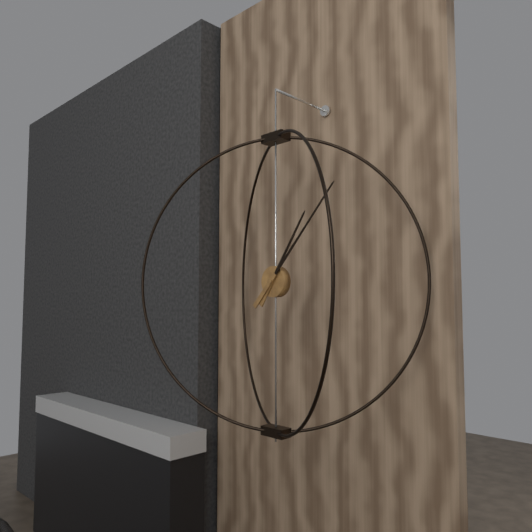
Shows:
1h07
